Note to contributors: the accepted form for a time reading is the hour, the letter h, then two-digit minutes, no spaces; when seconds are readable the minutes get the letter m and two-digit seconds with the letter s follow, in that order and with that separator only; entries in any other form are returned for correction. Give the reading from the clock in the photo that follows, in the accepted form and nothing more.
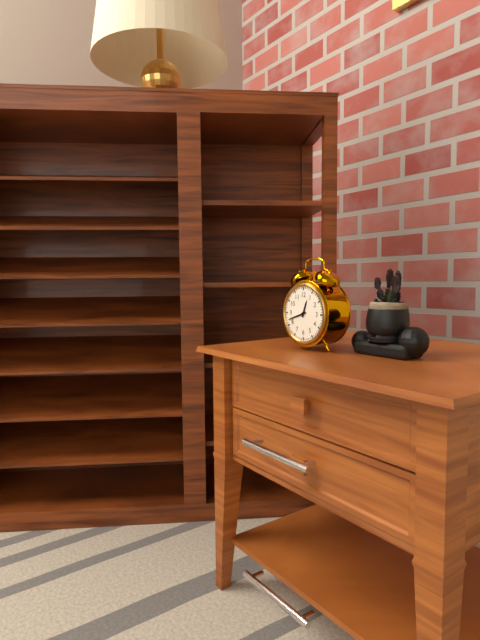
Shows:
12h42
